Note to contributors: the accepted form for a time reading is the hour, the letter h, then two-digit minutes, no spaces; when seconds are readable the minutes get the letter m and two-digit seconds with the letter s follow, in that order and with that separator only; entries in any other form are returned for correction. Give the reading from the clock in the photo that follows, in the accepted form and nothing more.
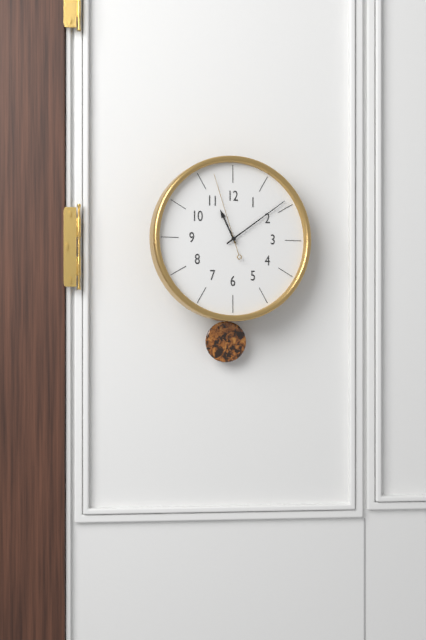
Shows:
11h09m57s
